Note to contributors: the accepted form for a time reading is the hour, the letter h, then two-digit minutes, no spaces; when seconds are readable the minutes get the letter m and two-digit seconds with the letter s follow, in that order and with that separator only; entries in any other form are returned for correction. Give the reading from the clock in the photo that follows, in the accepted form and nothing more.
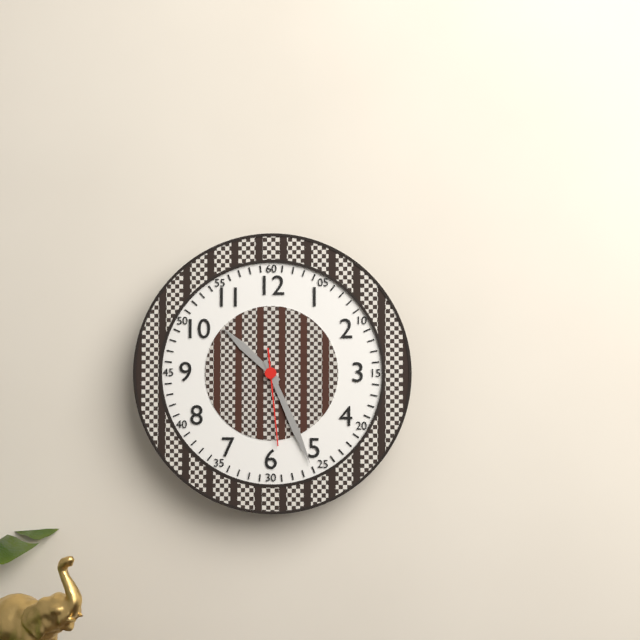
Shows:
10h26m29s
